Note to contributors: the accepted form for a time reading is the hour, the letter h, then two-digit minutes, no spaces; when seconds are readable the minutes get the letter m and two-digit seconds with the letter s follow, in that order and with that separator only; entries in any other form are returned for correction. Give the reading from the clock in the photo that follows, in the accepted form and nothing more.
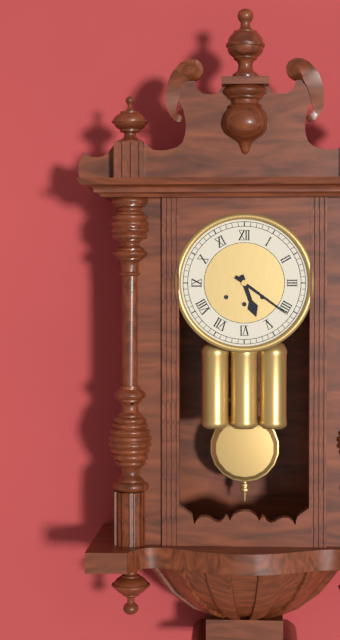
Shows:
5h21
